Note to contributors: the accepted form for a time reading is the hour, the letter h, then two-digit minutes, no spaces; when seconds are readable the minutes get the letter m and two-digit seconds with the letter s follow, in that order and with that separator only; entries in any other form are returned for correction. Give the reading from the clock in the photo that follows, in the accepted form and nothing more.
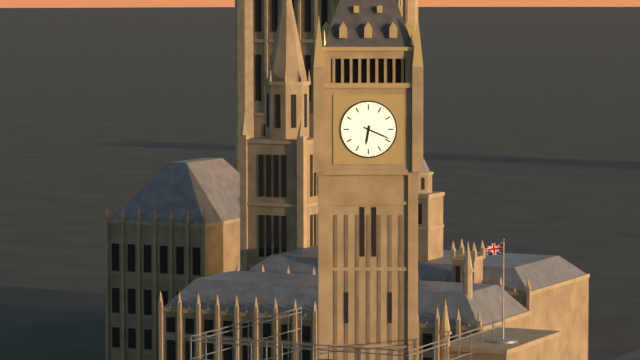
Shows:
6h19
